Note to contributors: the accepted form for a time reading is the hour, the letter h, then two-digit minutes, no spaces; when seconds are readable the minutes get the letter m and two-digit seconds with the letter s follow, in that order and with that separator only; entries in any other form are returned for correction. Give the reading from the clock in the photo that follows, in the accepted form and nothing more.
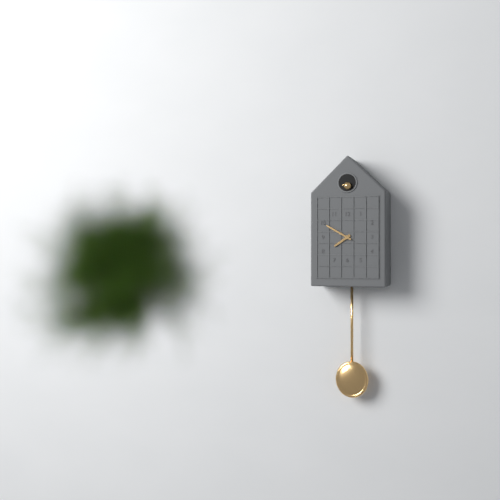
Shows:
7h50
